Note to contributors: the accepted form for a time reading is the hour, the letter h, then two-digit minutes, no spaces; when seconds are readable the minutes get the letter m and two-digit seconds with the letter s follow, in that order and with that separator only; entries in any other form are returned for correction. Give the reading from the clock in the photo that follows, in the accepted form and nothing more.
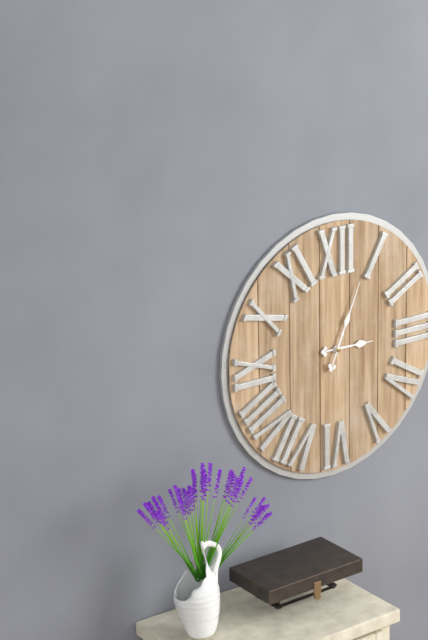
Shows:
3h04
